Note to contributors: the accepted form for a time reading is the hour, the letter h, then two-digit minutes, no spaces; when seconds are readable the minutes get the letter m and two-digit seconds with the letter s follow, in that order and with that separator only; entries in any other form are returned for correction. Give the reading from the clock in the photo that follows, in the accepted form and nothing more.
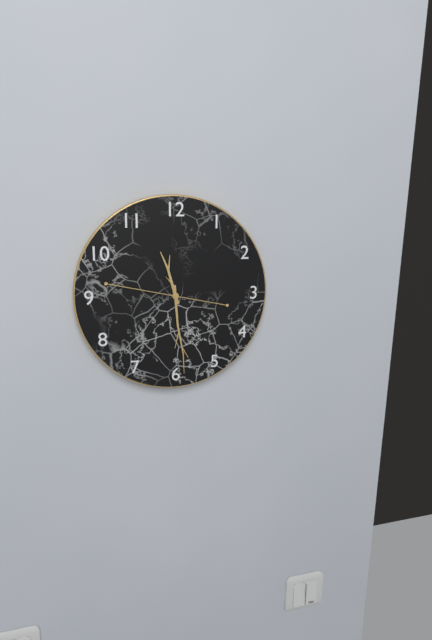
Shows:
11h29m47s
